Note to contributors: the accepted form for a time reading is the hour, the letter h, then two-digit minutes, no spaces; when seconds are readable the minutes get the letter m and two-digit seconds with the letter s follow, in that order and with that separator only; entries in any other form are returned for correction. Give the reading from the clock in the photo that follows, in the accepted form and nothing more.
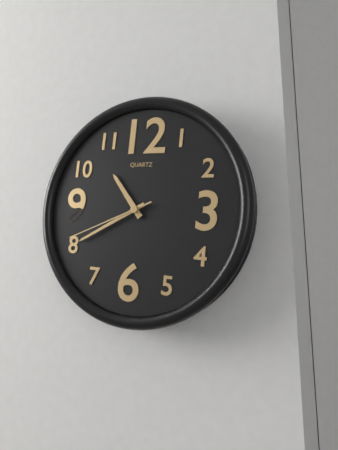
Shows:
10h40m41s
